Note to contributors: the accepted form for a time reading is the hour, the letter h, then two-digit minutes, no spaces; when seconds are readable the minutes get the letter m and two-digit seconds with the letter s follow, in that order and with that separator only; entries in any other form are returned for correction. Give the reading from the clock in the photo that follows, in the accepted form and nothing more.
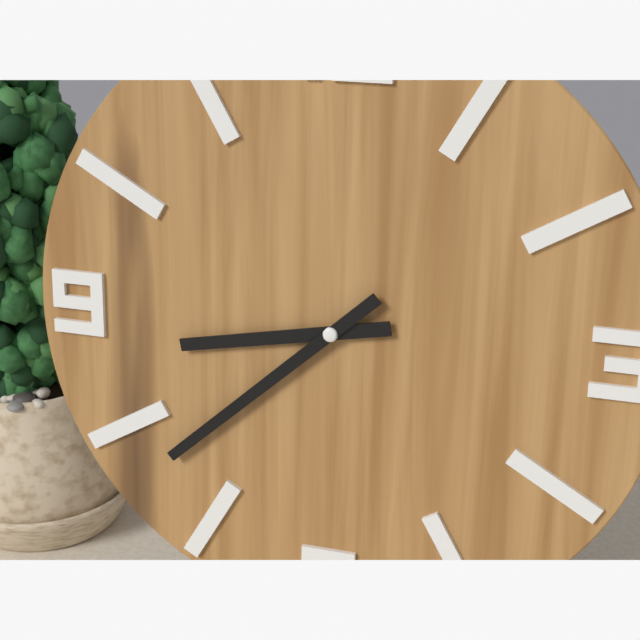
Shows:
8h38
